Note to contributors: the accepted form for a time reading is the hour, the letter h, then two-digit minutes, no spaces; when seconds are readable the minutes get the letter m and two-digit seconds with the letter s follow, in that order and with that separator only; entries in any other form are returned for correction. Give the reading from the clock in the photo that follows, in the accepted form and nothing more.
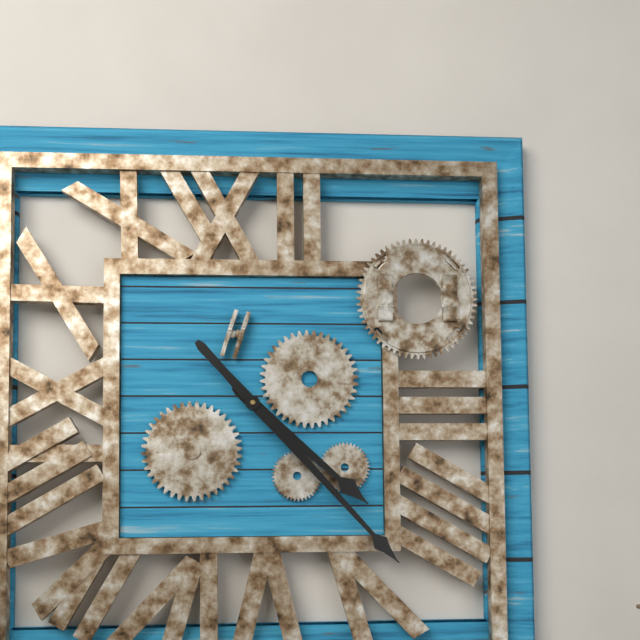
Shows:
4h23
